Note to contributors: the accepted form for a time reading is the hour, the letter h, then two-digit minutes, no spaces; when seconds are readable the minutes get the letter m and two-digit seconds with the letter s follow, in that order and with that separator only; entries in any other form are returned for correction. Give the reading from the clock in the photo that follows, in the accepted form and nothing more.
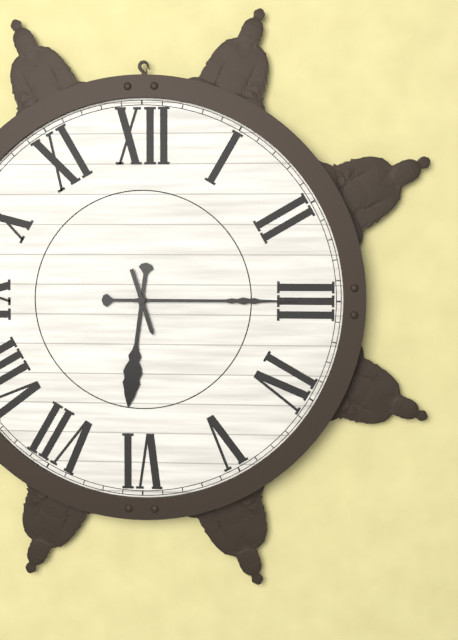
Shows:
6h15
